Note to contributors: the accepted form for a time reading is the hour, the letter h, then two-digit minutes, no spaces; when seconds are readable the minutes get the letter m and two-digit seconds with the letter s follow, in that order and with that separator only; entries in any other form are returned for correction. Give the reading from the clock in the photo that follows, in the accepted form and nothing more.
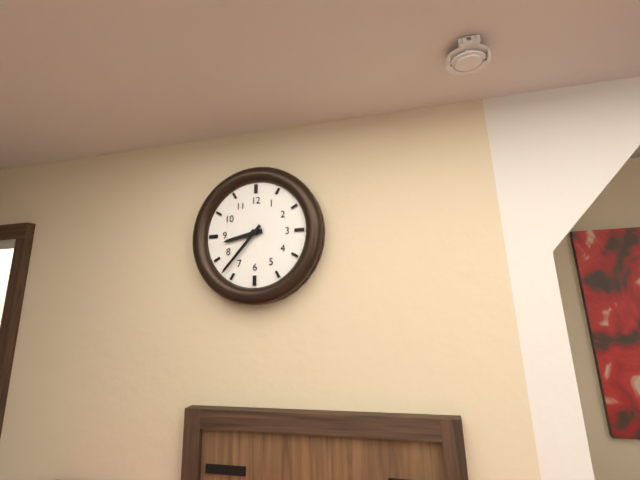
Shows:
8h37
